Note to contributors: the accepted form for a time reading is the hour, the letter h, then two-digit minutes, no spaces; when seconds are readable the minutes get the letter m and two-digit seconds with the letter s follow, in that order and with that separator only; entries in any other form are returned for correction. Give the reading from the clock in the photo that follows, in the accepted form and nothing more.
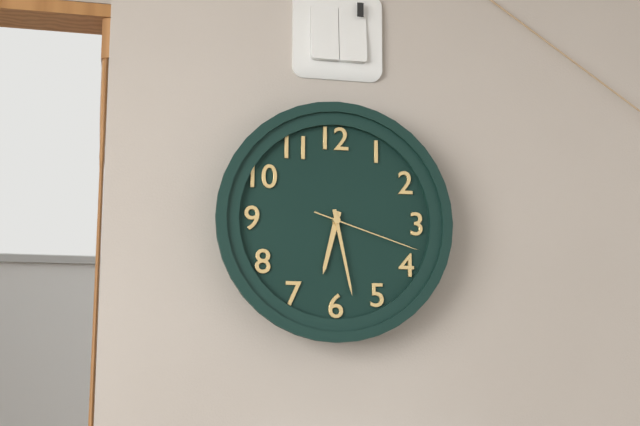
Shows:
6h28m18s
